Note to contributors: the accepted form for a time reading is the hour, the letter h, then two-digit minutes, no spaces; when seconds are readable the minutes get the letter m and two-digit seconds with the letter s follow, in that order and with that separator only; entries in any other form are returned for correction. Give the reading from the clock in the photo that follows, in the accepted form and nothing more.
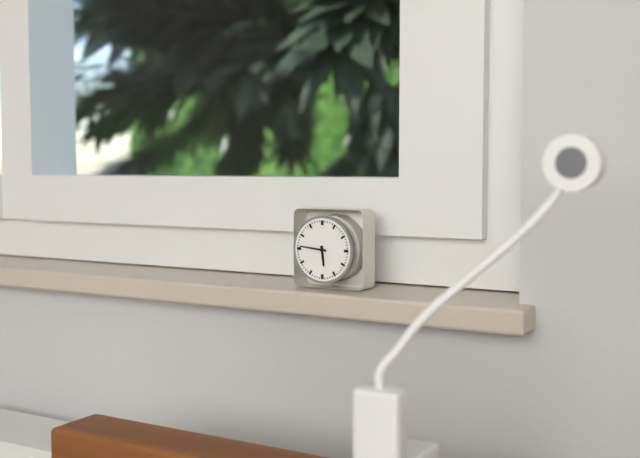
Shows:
5h46
